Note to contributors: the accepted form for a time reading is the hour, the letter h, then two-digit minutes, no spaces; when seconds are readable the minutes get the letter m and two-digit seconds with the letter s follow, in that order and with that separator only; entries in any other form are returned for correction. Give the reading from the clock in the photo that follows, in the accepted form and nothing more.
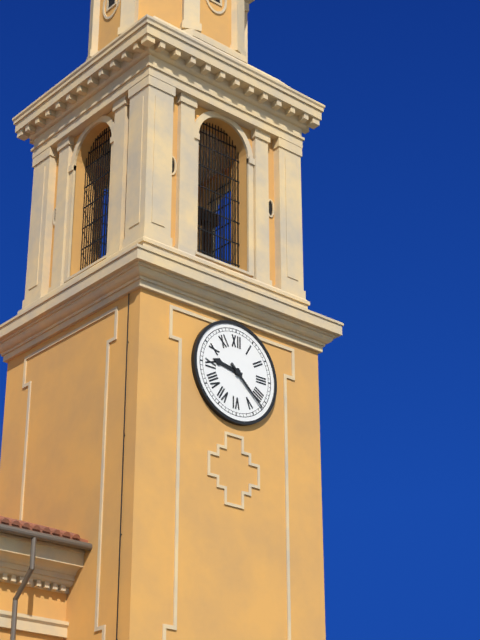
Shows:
9h22
